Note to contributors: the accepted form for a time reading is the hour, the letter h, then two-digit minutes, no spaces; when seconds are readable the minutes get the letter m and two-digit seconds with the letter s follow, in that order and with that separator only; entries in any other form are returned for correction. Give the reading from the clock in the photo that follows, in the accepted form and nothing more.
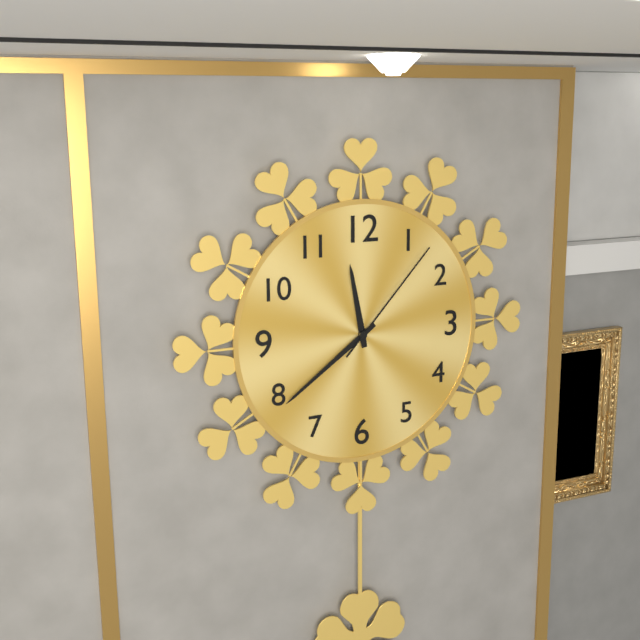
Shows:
11h39m07s
